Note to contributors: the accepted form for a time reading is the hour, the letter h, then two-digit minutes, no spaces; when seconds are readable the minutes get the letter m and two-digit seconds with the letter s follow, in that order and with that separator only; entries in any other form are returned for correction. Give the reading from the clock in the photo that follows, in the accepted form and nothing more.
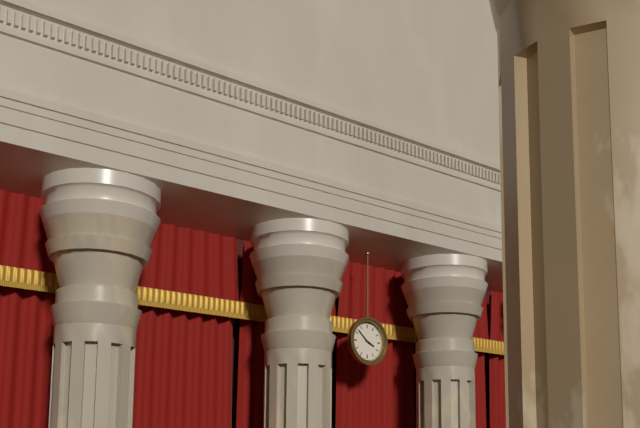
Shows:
3h52
